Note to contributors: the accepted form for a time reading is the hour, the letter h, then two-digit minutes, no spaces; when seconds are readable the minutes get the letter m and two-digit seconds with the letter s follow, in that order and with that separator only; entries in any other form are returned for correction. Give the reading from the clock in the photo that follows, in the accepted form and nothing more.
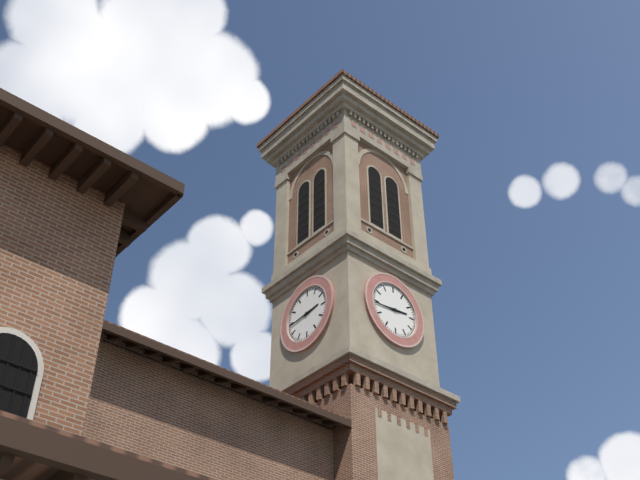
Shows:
2h44
